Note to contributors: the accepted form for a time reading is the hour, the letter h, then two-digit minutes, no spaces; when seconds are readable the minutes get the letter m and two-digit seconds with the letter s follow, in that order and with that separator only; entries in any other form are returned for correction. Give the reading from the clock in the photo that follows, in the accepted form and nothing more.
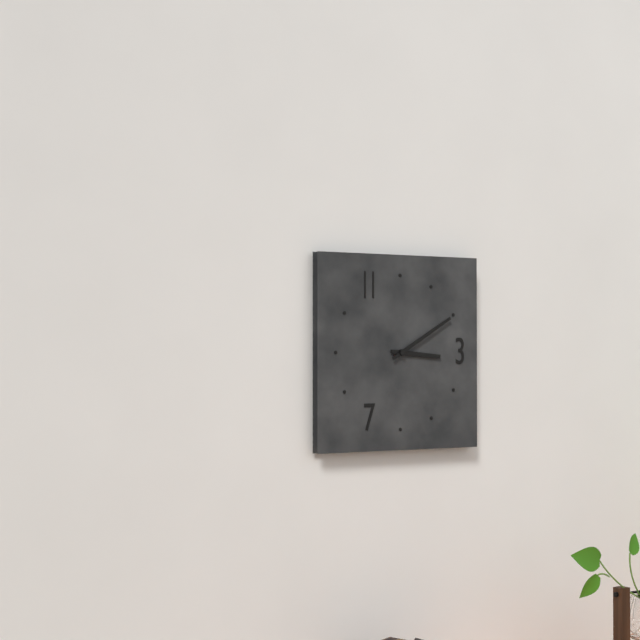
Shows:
3h10
